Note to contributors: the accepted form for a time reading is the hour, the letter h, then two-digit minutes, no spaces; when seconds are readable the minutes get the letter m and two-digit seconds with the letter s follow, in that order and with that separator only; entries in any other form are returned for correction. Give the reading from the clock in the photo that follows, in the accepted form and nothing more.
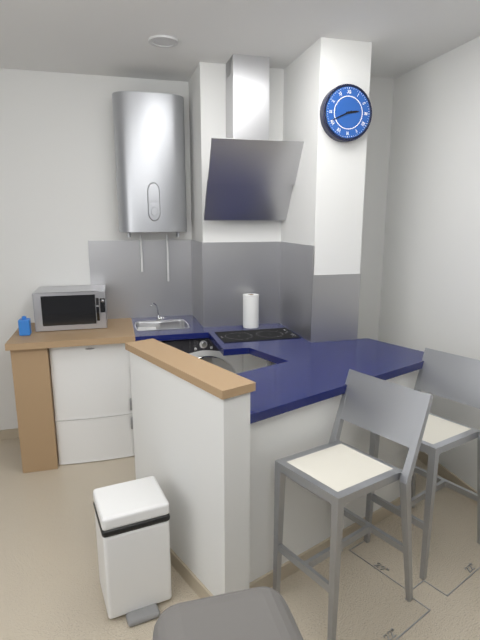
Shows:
2h41
